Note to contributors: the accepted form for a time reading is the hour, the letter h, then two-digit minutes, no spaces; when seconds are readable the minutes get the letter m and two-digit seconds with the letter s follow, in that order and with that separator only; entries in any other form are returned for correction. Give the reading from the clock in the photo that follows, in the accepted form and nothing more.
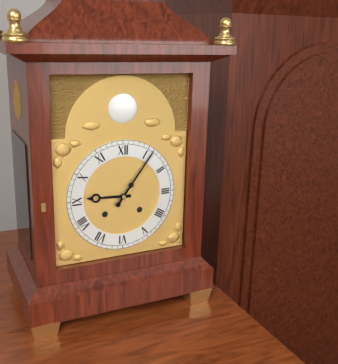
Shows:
9h06
